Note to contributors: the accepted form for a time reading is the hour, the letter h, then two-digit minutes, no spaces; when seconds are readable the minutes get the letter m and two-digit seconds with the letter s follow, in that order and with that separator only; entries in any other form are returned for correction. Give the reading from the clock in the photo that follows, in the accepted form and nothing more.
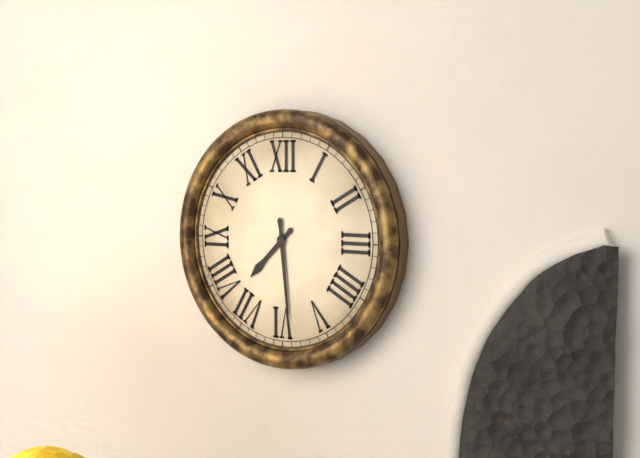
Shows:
7h29
